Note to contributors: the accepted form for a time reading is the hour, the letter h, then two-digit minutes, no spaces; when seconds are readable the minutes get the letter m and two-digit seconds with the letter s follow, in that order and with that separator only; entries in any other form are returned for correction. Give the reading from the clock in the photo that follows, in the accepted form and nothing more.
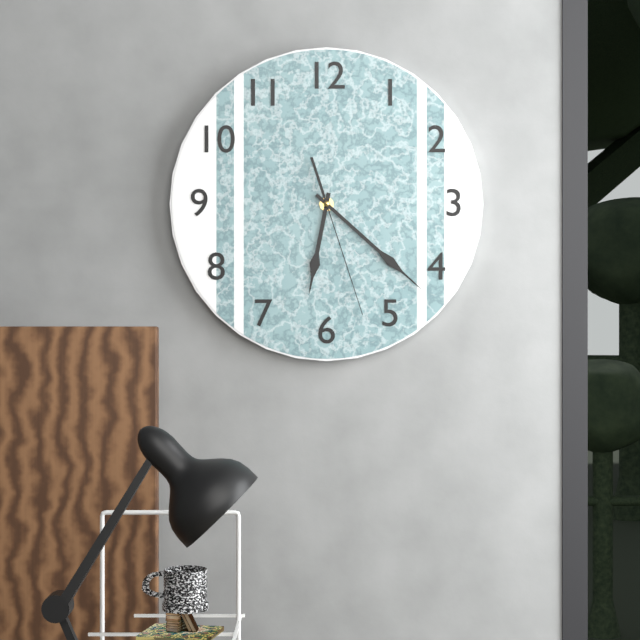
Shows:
6h22m27s
